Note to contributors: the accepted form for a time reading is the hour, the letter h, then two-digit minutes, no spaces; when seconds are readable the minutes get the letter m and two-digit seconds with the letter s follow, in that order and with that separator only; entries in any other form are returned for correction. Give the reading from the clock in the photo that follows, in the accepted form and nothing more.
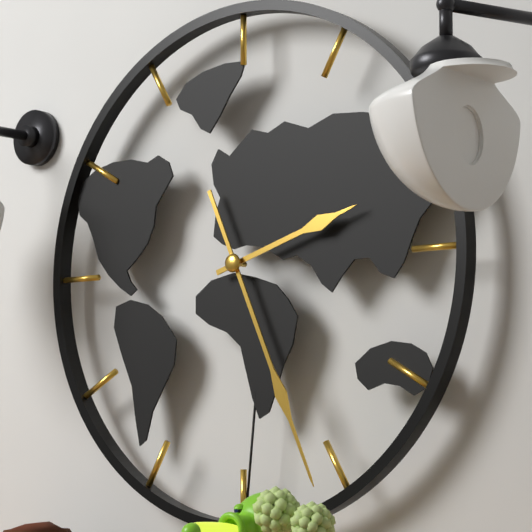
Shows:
2h26
